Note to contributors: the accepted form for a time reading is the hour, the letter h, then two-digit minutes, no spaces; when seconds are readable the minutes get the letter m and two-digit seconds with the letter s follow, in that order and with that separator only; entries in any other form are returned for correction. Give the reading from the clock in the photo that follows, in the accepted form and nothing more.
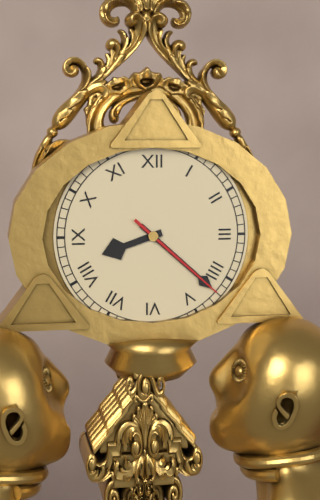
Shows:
8h22m22s
